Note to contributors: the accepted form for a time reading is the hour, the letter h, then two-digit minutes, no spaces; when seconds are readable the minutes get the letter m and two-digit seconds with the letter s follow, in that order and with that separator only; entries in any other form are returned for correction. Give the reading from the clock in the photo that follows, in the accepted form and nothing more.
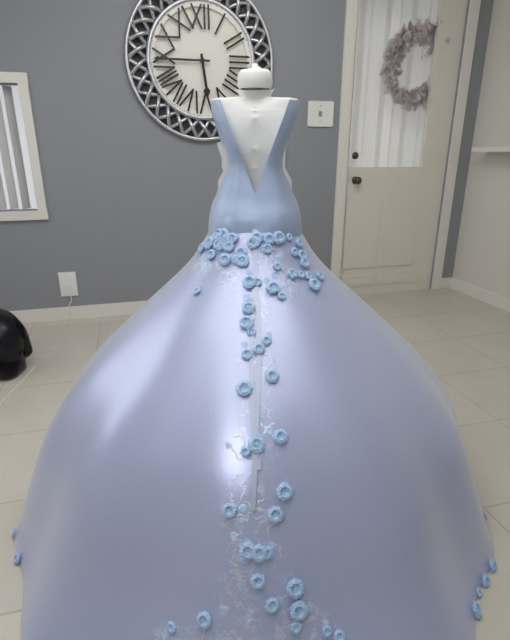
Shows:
5h45
